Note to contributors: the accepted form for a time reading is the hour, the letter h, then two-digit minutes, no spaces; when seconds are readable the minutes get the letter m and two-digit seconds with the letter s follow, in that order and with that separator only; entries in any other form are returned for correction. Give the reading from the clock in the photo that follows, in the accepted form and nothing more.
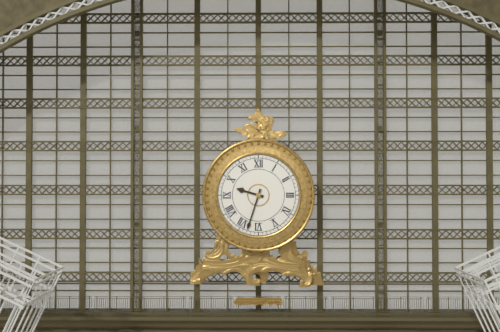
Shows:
9h33
